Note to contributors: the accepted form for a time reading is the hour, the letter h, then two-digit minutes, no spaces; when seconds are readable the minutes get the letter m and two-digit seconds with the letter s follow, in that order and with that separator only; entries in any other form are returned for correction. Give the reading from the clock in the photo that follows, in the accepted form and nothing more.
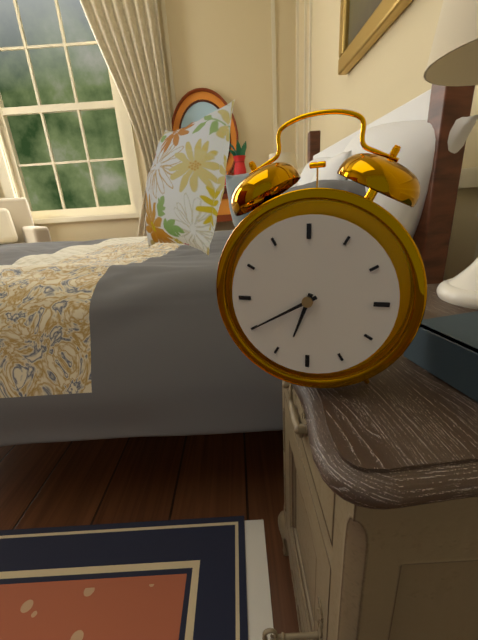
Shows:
6h40
